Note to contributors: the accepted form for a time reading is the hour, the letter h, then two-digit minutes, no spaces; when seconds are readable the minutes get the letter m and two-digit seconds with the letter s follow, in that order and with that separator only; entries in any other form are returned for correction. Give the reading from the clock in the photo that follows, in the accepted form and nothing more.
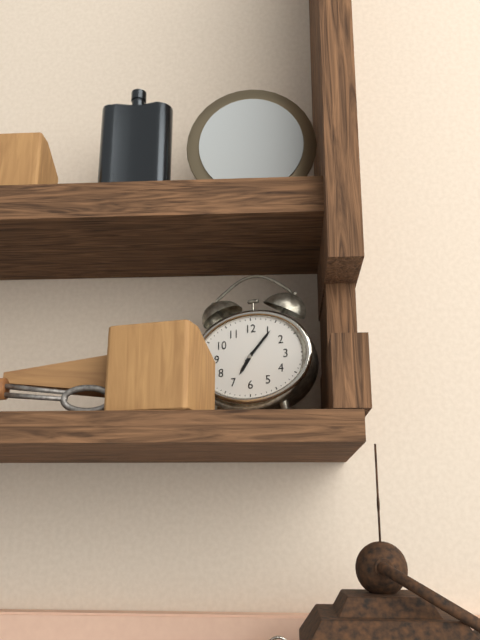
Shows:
7h07
